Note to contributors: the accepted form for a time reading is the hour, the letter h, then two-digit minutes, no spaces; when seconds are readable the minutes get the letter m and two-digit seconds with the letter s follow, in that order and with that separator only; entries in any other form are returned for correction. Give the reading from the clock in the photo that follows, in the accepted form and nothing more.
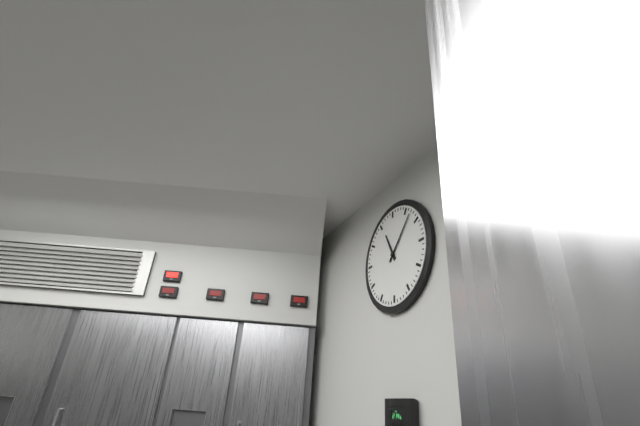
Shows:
11h07
